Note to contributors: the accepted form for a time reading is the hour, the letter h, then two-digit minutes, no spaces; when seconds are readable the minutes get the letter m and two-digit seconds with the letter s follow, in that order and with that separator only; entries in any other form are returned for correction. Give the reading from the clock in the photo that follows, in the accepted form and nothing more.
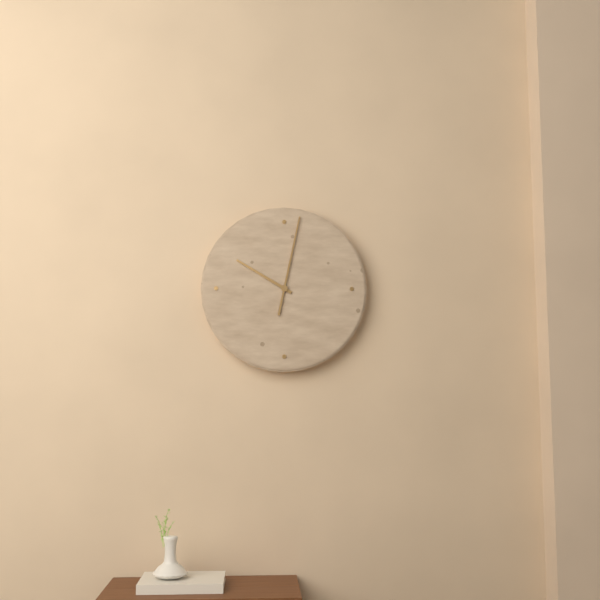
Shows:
10h02
